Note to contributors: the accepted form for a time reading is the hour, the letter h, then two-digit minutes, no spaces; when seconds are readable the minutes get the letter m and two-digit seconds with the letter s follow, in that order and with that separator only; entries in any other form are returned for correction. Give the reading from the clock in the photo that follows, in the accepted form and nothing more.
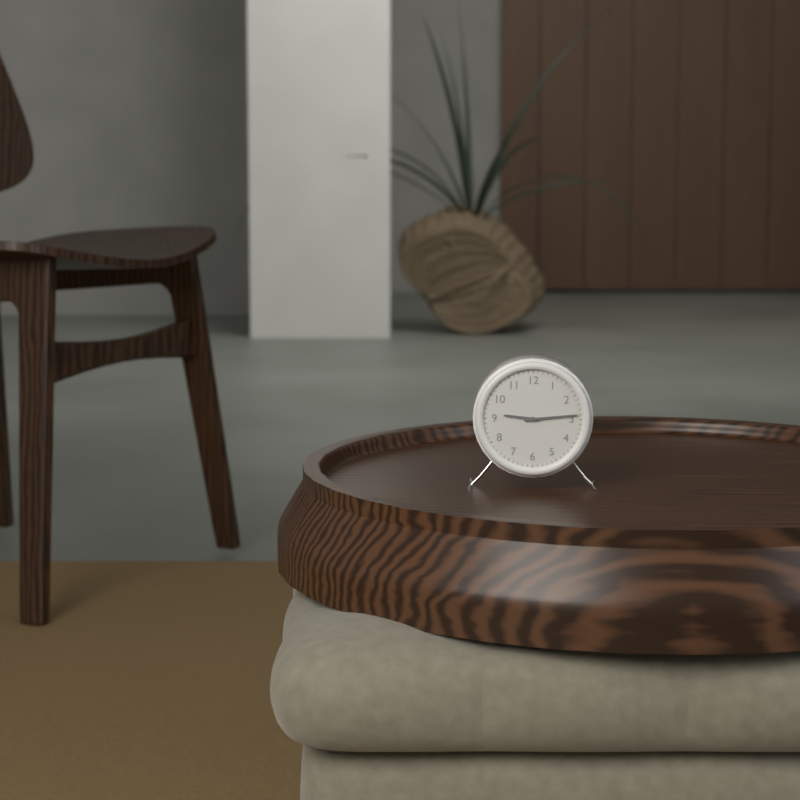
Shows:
9h14
